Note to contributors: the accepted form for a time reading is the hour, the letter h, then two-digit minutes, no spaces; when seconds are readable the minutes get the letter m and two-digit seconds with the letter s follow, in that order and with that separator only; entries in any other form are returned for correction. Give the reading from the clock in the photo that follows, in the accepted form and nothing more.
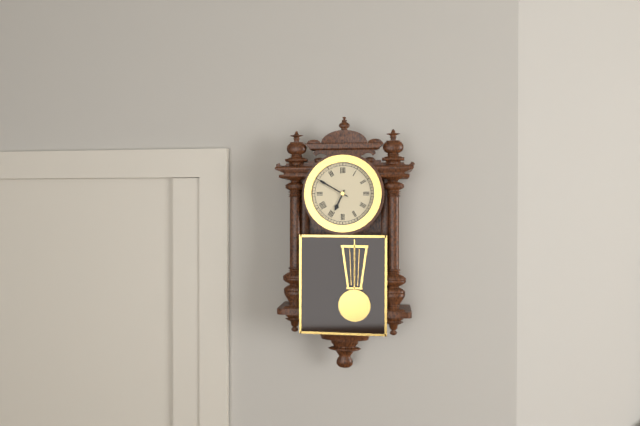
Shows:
6h50
